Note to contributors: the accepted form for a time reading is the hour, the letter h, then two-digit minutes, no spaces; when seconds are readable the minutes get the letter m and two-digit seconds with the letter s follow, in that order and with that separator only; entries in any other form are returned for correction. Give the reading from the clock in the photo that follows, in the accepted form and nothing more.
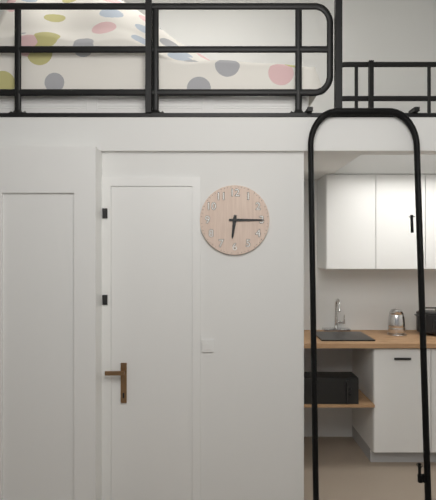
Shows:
6h15
